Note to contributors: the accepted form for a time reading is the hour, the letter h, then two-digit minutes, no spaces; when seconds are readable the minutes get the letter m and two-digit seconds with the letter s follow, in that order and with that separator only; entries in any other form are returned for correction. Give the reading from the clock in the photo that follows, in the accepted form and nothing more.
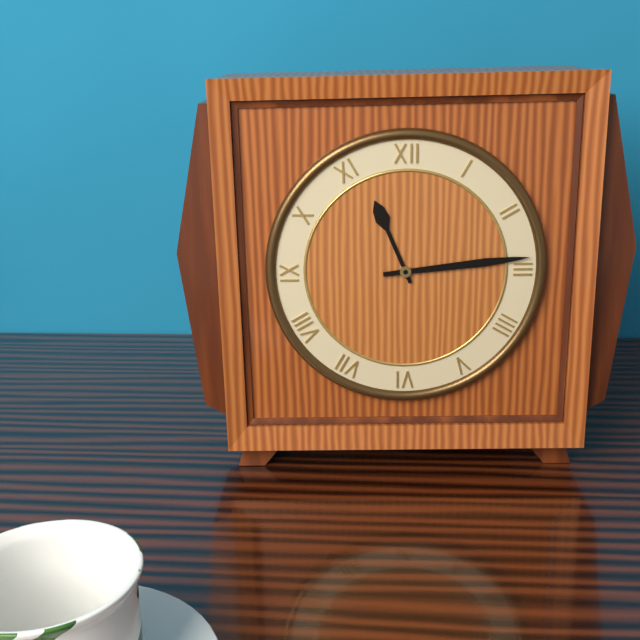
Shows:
11h14
